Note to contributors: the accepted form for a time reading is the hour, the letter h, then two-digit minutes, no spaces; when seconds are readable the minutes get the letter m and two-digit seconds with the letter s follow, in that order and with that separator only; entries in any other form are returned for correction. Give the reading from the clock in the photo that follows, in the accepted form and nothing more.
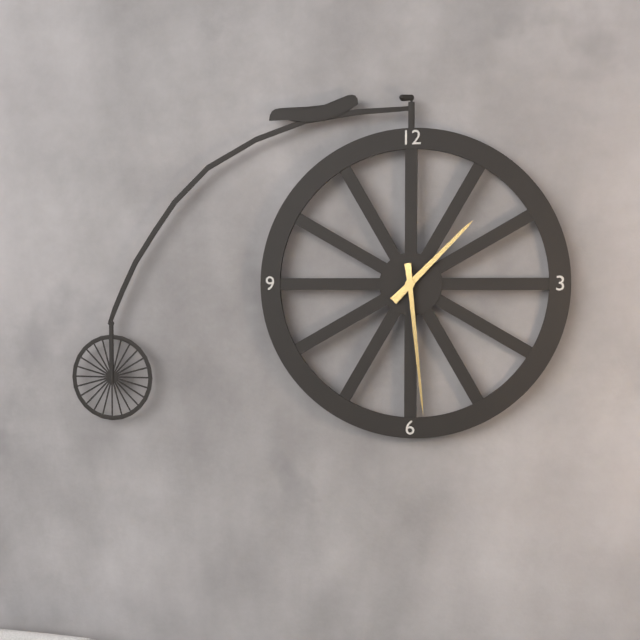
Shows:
1h29
